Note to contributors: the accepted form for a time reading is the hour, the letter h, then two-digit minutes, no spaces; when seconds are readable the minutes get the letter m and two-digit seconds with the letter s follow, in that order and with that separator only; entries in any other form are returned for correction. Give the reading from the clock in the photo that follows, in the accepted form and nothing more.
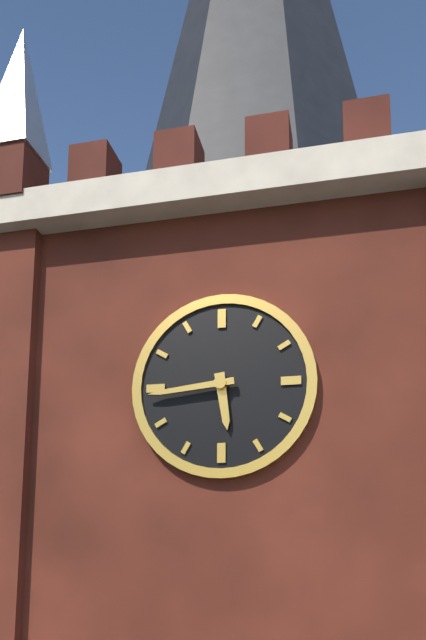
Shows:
5h44
